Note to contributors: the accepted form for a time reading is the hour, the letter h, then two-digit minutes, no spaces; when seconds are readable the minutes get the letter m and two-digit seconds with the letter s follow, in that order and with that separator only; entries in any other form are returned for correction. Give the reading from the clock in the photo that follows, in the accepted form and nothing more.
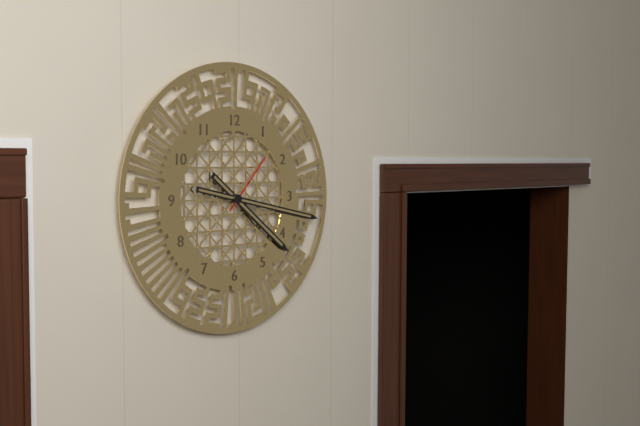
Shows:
4h17m07s
